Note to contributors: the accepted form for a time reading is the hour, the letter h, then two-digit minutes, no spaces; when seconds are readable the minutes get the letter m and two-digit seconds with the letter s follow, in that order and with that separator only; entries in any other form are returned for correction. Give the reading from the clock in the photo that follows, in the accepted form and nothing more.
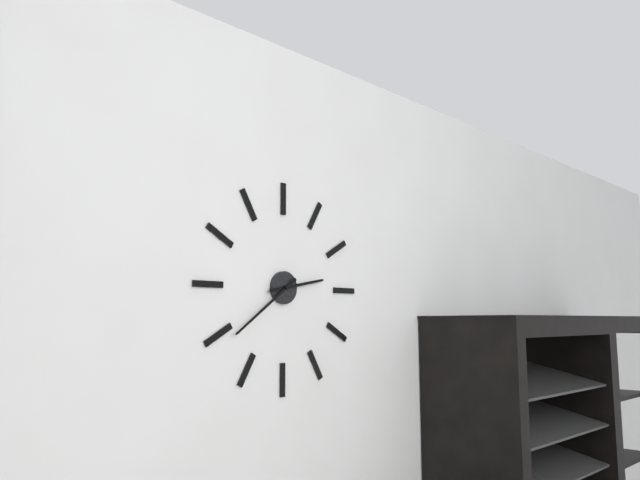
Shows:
2h39
